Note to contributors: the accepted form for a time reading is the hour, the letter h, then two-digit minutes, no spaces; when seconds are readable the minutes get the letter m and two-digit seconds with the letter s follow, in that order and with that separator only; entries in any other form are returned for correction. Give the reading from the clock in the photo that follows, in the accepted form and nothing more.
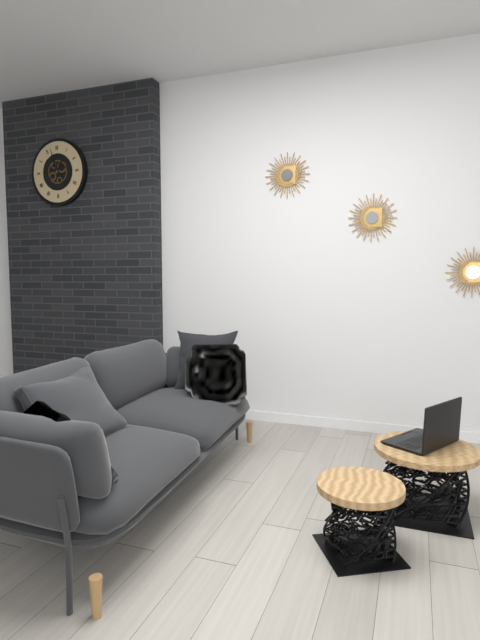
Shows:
12h57
